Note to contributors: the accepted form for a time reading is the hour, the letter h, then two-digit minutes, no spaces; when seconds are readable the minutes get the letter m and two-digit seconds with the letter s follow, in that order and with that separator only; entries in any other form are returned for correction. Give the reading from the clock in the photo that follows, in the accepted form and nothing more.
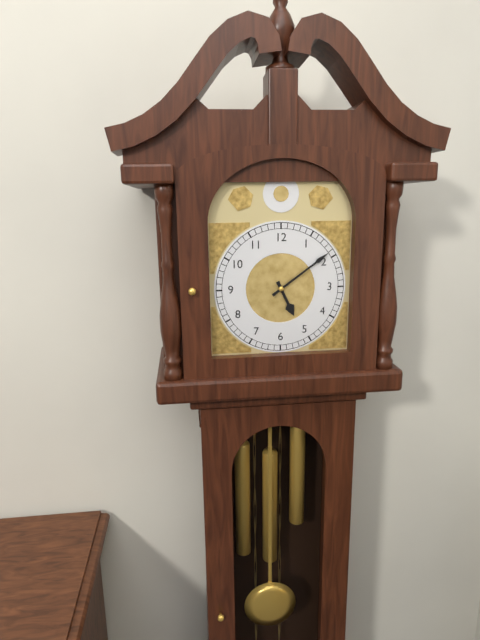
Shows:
5h09
